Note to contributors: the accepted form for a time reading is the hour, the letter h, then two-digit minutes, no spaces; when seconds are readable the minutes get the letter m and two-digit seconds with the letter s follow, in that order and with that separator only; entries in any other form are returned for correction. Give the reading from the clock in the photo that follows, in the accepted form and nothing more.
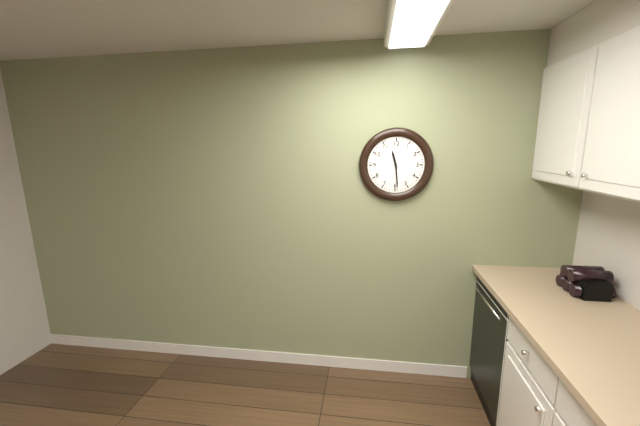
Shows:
11h29
